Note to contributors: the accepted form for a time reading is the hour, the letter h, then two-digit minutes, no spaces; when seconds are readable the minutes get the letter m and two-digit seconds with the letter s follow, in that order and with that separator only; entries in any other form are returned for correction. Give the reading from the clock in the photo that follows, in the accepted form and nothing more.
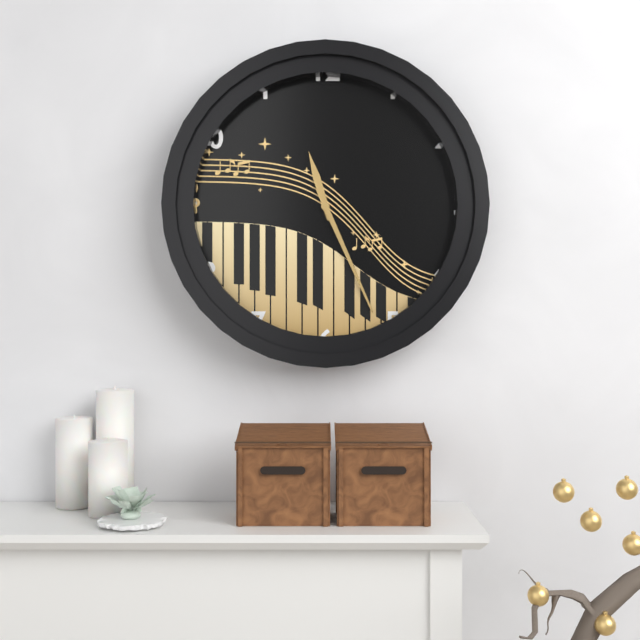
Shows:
11h26
